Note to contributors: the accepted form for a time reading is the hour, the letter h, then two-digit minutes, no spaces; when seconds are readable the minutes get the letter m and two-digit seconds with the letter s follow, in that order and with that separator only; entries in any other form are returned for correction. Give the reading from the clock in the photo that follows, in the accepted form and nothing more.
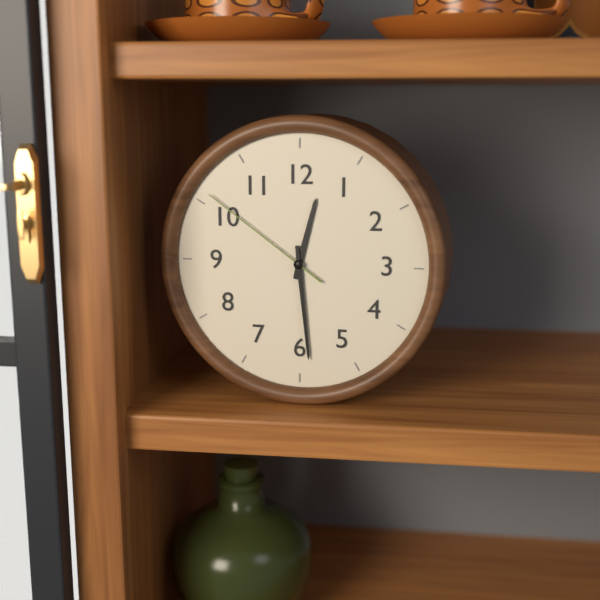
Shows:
12h29m51s
